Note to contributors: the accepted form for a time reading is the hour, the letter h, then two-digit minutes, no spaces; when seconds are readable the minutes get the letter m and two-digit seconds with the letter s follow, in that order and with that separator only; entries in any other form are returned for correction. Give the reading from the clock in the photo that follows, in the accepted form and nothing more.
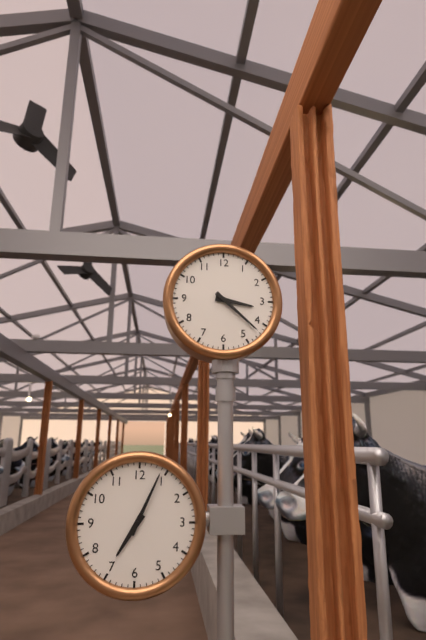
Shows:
3h22
